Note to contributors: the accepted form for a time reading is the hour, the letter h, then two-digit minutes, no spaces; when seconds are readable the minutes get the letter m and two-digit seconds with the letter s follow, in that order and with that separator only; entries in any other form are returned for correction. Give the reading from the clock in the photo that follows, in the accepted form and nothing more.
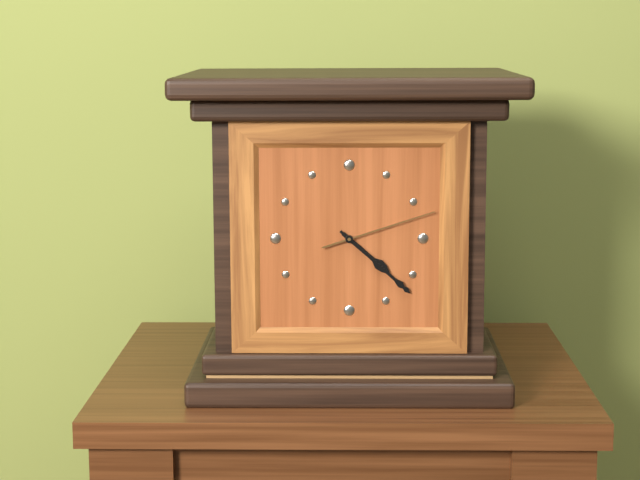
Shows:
4h22m12s
